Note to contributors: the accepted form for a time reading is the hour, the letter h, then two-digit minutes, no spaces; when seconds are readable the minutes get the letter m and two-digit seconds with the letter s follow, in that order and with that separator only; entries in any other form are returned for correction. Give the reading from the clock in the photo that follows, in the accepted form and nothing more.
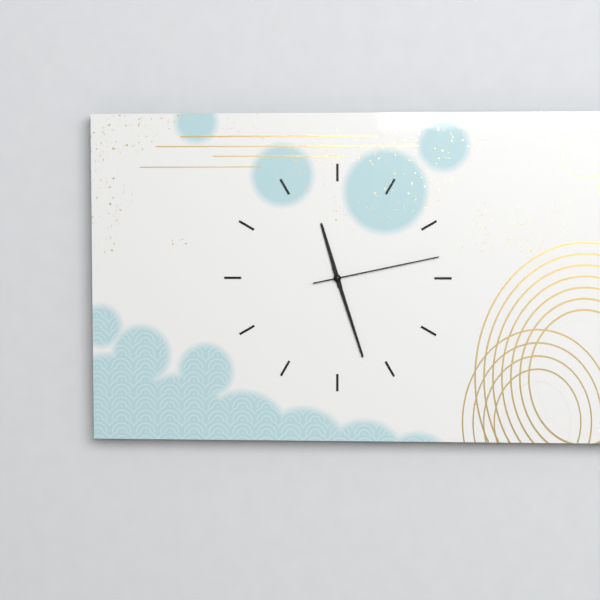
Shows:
11h27m13s
